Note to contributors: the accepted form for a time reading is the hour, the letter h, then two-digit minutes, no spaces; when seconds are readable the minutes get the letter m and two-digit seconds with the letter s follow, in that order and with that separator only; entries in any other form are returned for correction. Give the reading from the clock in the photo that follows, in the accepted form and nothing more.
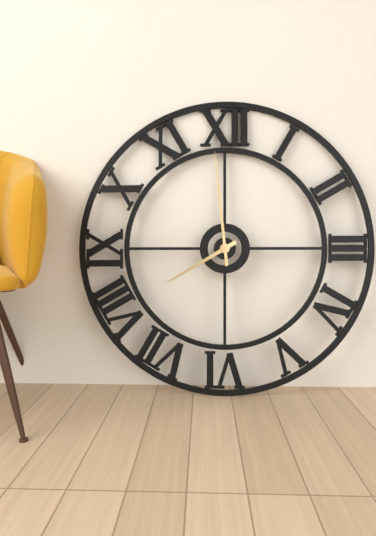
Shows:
7h59
